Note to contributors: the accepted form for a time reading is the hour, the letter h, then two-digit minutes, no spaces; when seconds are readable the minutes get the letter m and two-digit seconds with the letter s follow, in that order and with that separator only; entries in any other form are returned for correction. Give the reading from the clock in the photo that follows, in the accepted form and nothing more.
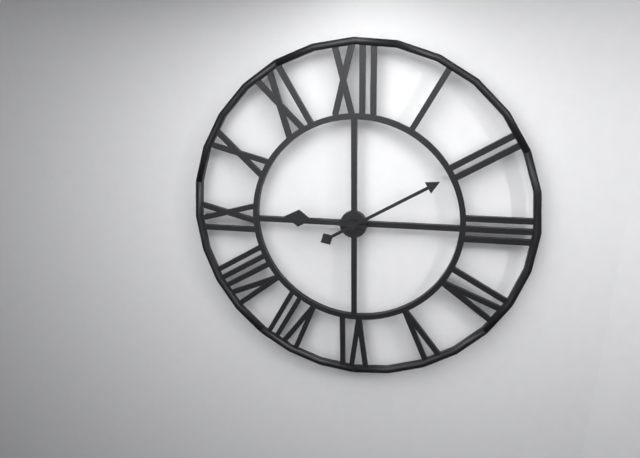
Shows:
9h10
